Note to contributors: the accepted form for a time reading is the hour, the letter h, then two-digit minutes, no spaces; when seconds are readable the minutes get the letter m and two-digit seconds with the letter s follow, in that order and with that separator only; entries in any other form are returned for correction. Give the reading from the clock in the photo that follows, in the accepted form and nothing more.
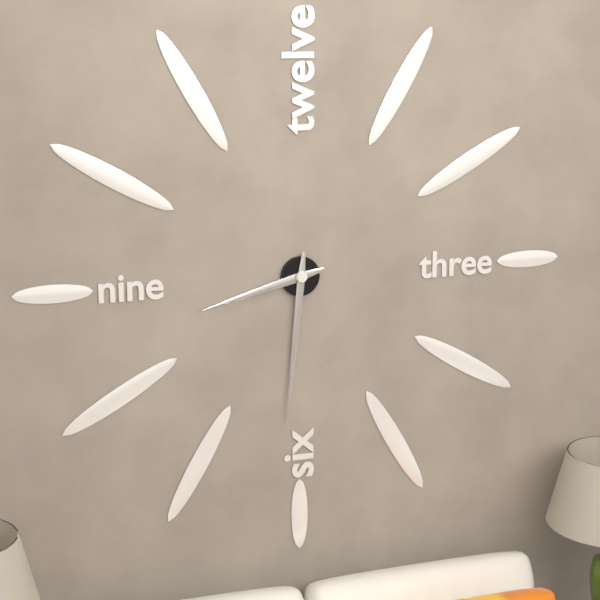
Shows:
8h31
